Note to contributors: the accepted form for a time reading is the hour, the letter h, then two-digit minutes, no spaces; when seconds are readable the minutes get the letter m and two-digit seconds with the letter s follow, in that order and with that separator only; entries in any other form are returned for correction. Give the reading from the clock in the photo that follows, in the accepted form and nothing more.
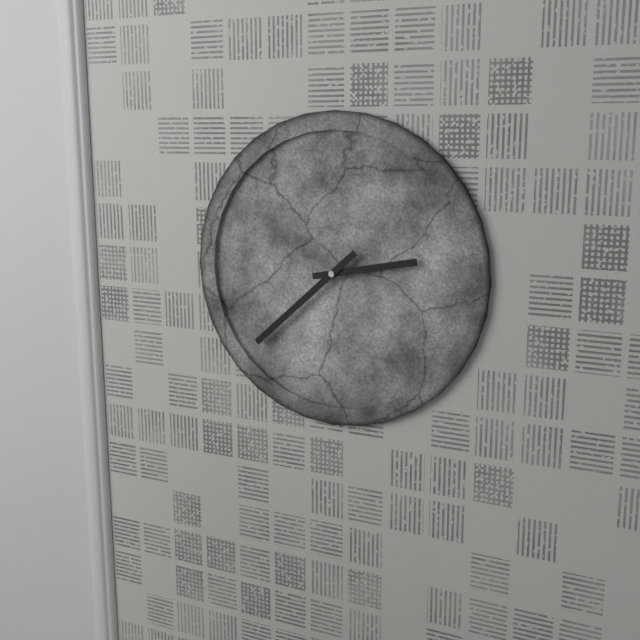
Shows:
2h38
